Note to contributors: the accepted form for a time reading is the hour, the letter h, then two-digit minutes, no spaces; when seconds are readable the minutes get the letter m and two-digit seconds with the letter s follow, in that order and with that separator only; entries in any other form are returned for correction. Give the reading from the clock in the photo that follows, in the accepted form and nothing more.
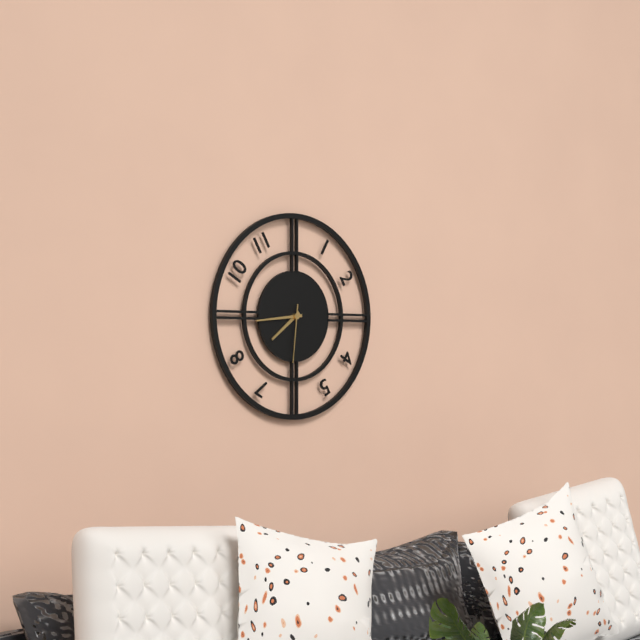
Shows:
7h44m31s
